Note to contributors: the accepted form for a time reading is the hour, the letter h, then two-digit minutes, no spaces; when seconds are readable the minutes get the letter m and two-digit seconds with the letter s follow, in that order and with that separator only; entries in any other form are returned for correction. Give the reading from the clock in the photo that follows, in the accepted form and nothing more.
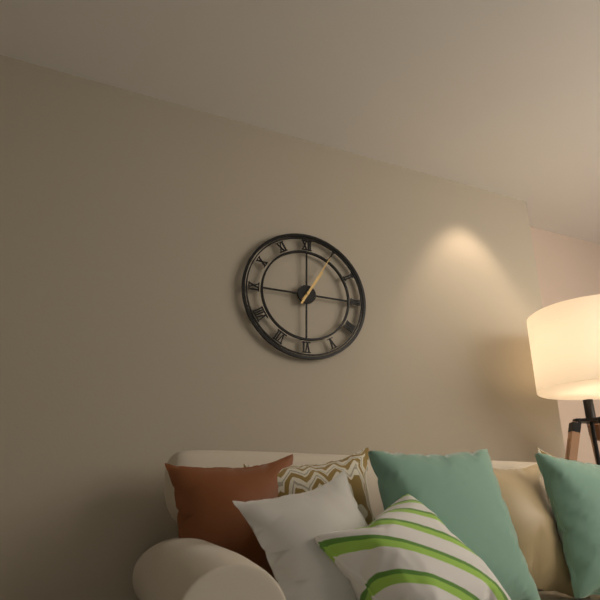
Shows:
1h05
